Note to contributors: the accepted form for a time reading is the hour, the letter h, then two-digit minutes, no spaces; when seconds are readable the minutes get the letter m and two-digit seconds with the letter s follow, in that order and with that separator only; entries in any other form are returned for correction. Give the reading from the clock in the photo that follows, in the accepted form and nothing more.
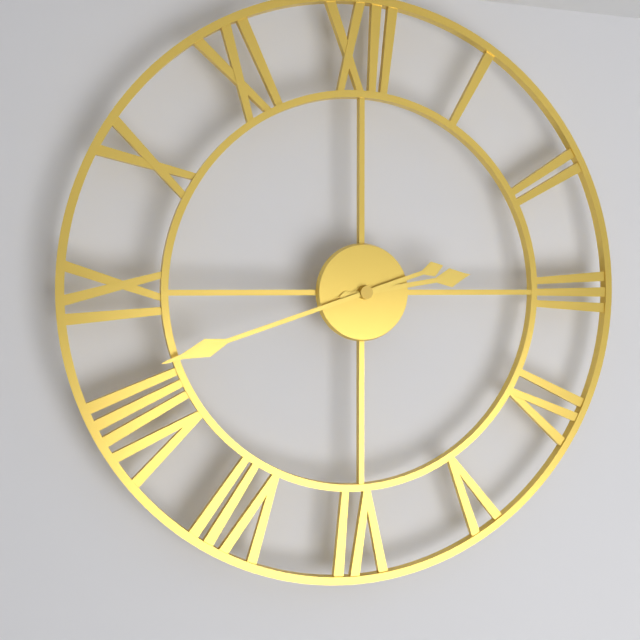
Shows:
2h42
